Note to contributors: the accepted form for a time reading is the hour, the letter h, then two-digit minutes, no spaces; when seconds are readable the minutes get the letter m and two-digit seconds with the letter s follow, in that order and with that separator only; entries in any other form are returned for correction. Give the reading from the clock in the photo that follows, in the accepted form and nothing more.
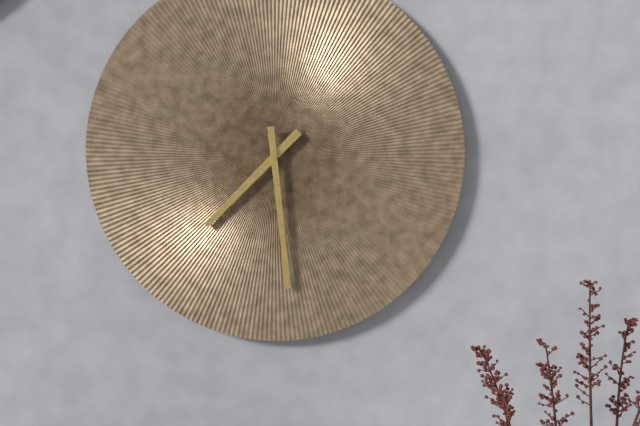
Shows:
7h29
